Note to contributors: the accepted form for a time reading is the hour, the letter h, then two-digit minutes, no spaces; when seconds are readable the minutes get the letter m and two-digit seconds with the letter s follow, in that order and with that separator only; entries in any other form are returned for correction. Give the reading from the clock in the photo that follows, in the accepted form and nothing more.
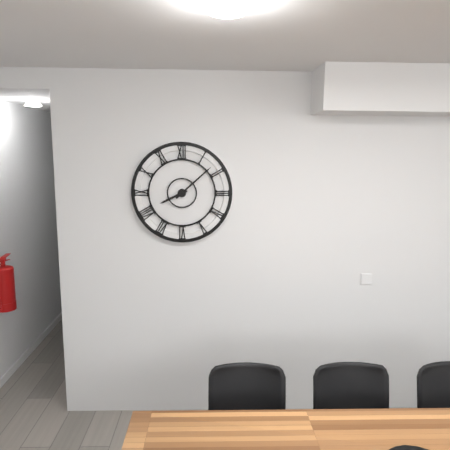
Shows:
8h08
